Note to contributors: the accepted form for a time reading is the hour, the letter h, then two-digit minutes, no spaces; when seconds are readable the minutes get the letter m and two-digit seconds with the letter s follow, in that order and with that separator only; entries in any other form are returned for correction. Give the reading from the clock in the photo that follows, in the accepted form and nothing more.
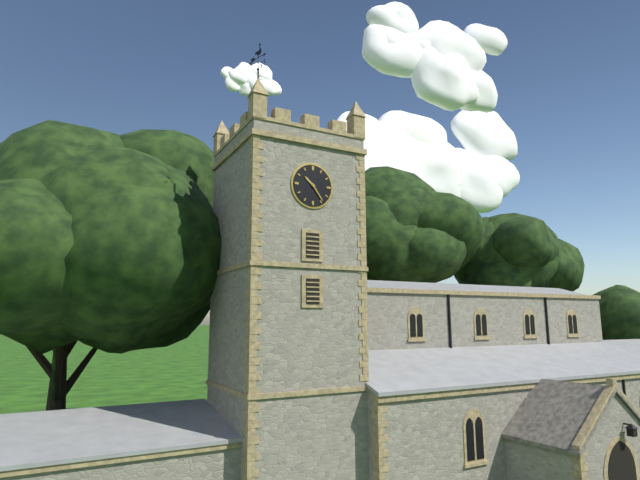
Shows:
10h24
